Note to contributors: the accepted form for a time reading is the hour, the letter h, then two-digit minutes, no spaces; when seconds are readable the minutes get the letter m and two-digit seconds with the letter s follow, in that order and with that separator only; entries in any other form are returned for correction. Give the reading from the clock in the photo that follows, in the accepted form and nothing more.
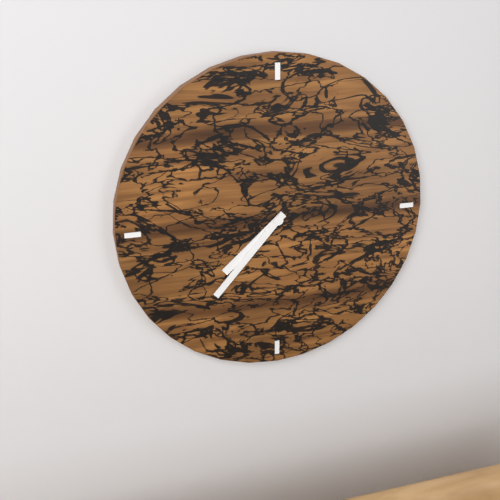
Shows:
7h37
